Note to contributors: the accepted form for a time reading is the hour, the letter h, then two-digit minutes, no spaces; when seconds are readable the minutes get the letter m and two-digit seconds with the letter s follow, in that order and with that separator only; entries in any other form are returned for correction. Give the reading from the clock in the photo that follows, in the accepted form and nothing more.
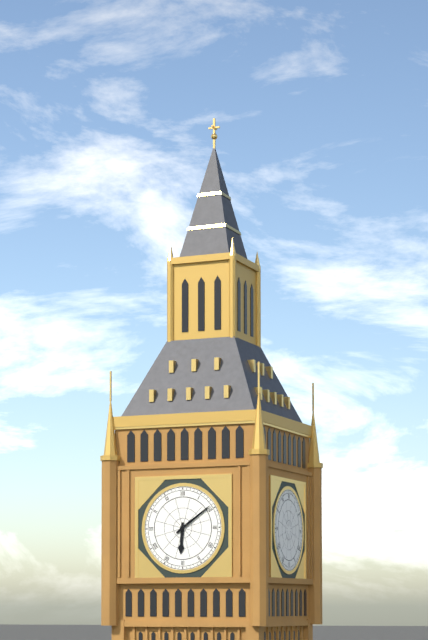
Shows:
6h09
